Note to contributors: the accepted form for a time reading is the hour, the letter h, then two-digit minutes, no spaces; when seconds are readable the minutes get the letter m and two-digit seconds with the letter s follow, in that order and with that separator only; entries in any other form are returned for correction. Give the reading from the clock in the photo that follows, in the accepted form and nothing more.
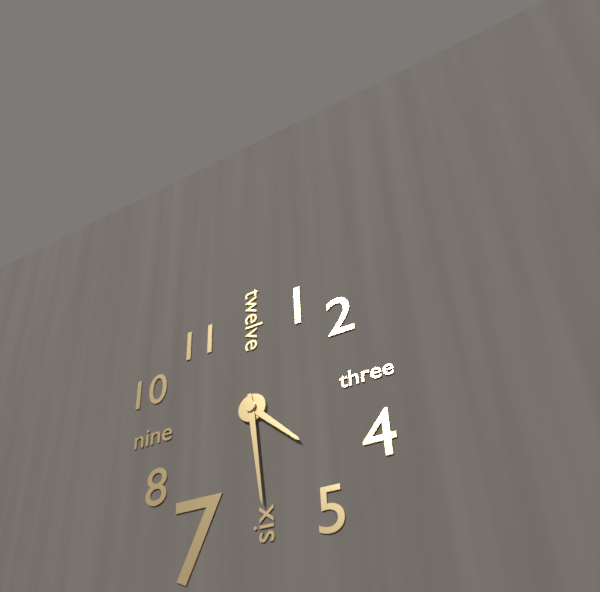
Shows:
4h29
